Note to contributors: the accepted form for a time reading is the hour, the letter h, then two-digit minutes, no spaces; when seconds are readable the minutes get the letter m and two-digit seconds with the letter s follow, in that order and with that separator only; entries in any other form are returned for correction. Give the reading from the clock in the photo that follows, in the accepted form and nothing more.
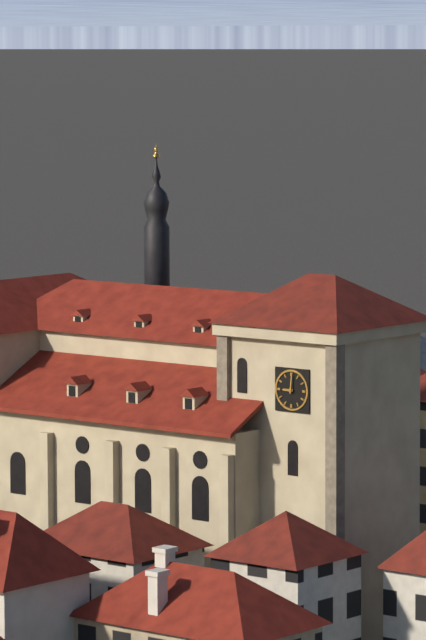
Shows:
9h01
